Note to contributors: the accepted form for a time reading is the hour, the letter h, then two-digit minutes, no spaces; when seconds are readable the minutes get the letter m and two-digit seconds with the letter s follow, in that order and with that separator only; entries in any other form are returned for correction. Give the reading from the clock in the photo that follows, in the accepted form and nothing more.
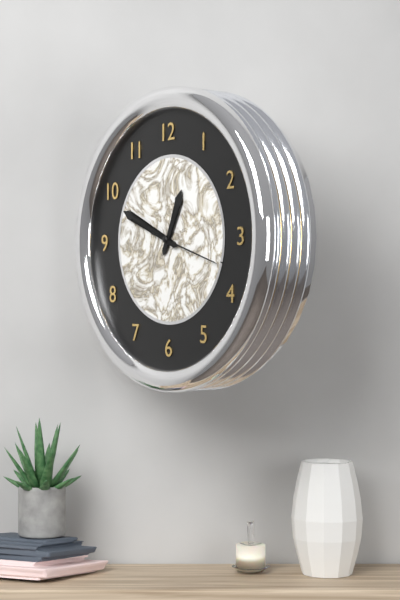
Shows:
12h49m18s
